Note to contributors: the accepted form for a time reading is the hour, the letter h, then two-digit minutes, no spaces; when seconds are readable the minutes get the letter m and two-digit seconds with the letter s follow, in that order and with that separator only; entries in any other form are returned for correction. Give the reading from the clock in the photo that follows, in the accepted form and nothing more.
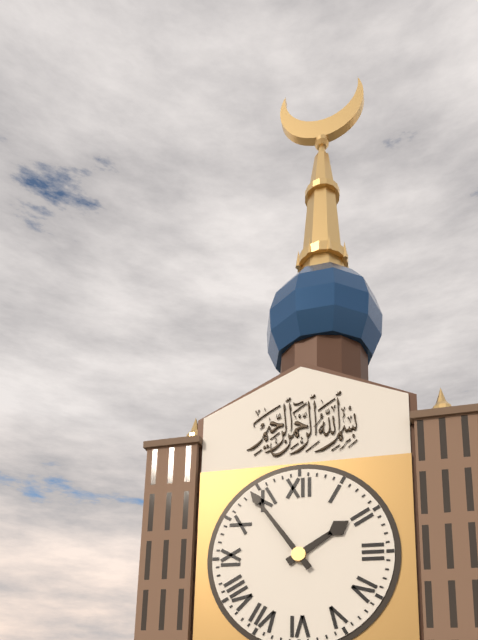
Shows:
1h54
